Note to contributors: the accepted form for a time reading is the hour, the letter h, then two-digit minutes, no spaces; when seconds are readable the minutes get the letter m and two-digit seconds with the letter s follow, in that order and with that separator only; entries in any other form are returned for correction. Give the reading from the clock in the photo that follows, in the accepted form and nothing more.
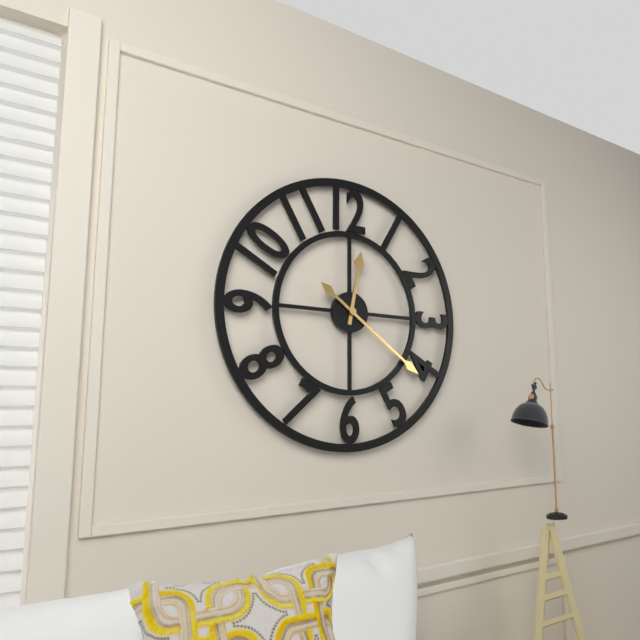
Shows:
12h21
